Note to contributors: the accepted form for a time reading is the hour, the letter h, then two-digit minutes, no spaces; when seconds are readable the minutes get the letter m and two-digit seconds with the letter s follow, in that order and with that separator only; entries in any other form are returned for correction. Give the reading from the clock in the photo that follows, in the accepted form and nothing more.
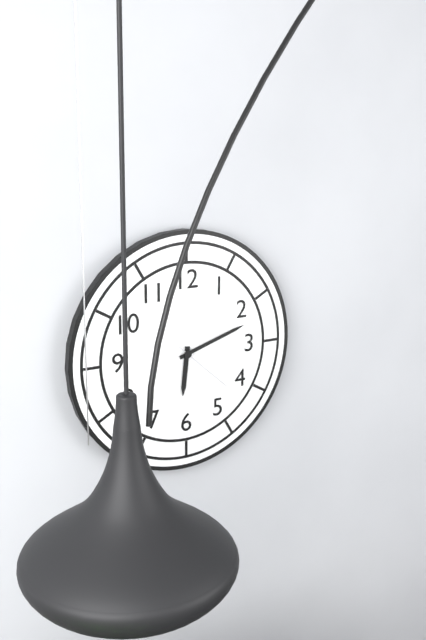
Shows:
6h12m22s
